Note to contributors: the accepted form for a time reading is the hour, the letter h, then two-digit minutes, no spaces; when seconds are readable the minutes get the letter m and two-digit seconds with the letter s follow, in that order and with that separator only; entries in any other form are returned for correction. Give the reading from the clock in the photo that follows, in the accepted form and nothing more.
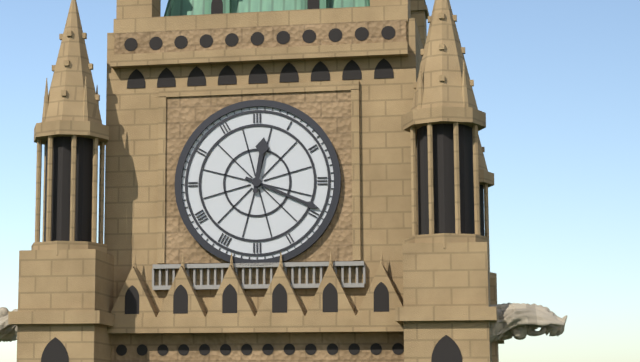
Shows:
12h19
